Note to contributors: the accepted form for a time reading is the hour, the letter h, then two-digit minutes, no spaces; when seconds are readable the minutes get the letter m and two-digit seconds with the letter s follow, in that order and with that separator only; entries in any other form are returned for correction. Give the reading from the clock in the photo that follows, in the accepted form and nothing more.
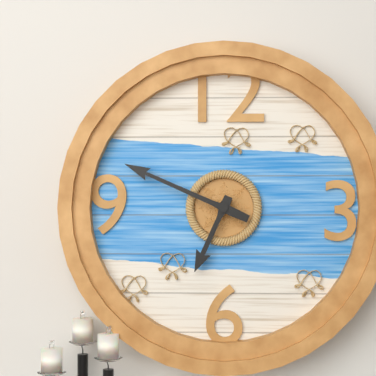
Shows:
6h49
